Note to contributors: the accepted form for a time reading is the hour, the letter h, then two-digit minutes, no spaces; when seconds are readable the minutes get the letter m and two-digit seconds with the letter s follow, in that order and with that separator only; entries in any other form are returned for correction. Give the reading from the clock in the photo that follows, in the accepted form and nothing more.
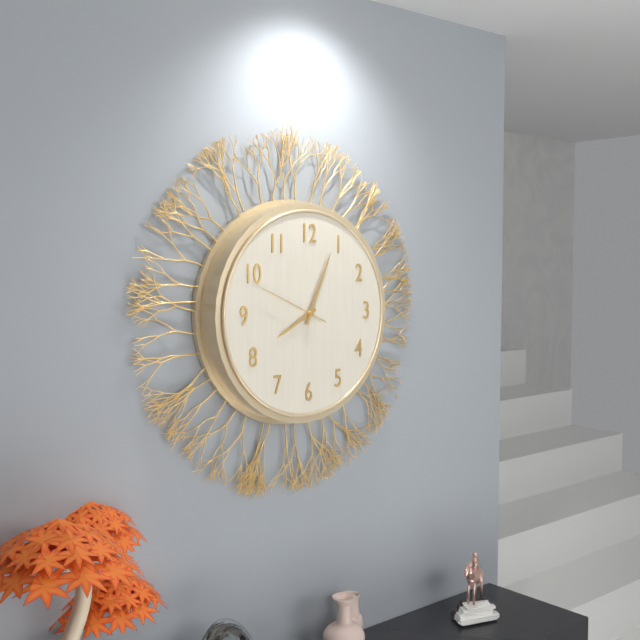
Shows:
8h04m49s
